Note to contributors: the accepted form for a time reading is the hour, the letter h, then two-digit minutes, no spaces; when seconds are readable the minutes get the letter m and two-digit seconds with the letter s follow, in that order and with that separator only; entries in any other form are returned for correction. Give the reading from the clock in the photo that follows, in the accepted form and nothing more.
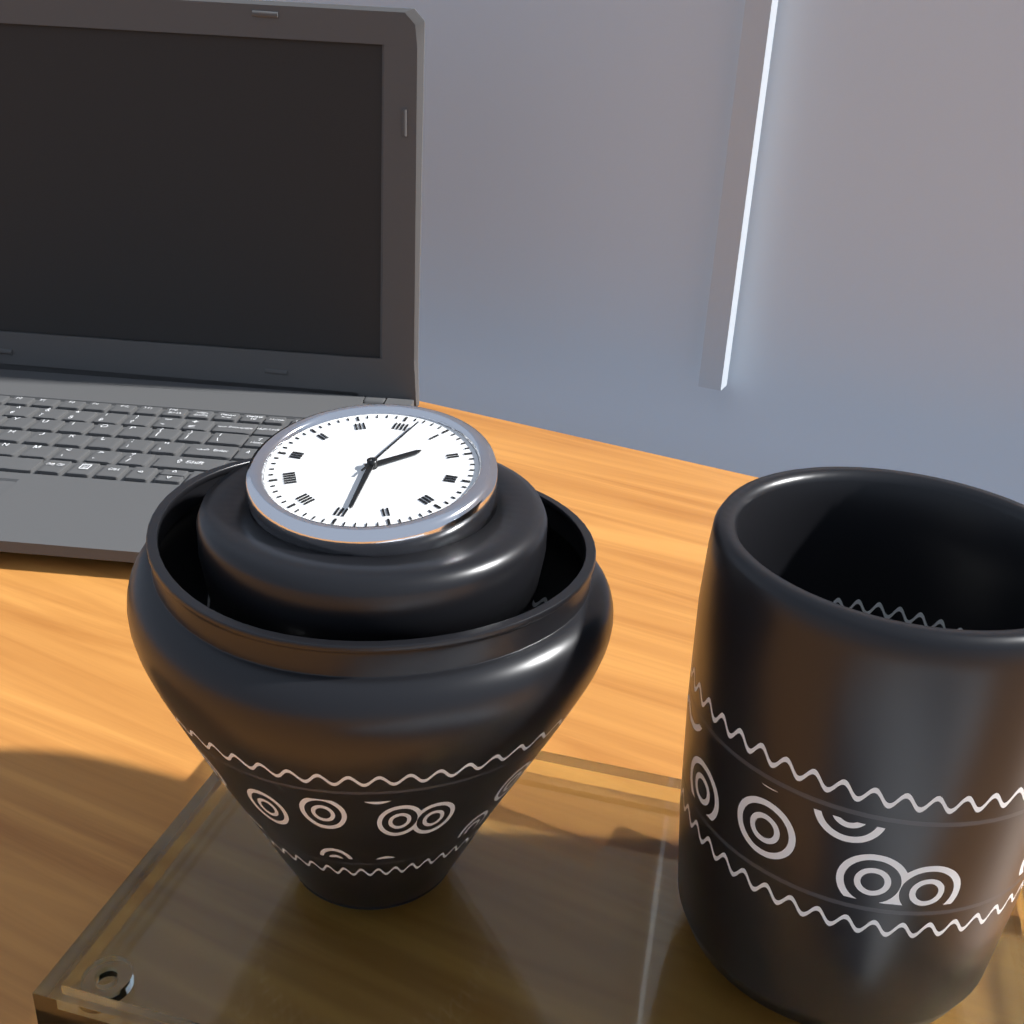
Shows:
1h29m02s
